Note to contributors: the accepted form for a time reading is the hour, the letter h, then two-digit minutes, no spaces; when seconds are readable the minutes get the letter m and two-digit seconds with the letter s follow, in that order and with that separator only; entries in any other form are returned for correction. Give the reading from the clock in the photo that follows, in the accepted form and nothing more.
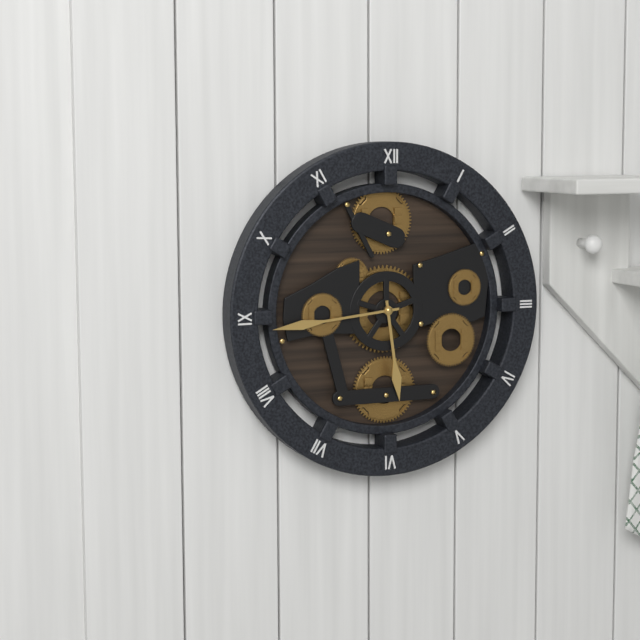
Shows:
5h44
